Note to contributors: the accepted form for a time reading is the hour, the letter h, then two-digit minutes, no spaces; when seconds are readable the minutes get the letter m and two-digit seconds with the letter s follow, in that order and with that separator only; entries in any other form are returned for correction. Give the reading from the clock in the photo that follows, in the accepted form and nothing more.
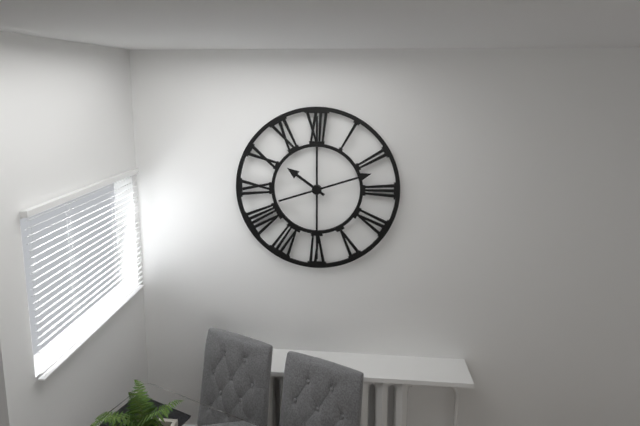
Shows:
10h12
